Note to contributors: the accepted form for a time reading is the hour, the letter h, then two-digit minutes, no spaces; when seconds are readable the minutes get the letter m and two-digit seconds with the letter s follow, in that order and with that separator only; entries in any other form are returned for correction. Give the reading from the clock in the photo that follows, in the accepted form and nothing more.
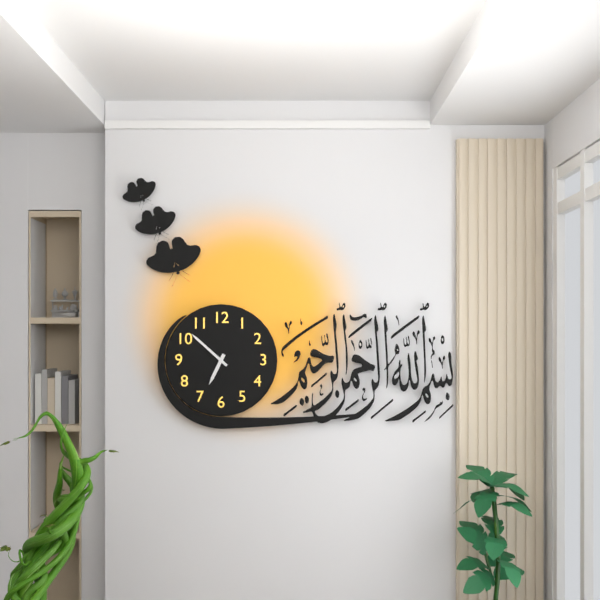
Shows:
6h52
